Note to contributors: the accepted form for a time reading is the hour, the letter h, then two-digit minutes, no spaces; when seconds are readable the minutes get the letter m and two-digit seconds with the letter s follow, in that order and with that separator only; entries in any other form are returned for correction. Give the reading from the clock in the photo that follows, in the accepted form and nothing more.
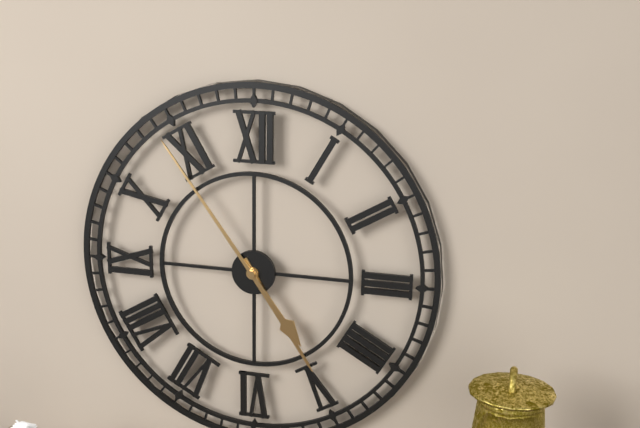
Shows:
4h54
